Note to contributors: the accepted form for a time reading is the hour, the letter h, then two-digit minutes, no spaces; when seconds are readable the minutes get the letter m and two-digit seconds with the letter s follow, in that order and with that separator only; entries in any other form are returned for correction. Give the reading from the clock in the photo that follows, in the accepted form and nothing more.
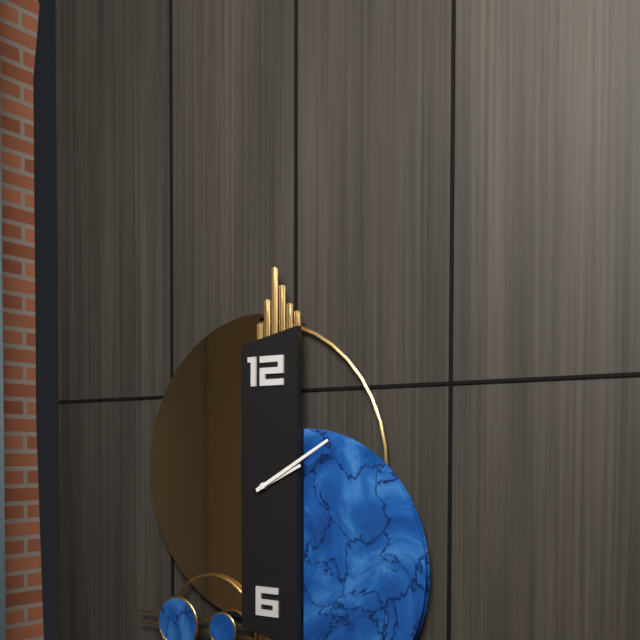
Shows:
2h10
